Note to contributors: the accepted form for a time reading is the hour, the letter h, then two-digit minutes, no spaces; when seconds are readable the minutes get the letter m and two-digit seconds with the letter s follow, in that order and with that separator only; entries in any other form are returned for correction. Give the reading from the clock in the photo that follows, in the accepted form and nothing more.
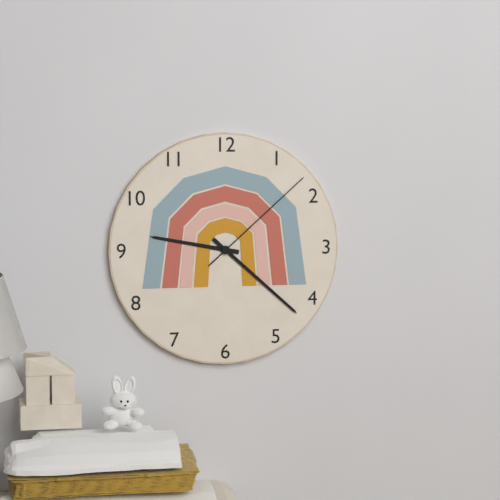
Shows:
9h22m08s
